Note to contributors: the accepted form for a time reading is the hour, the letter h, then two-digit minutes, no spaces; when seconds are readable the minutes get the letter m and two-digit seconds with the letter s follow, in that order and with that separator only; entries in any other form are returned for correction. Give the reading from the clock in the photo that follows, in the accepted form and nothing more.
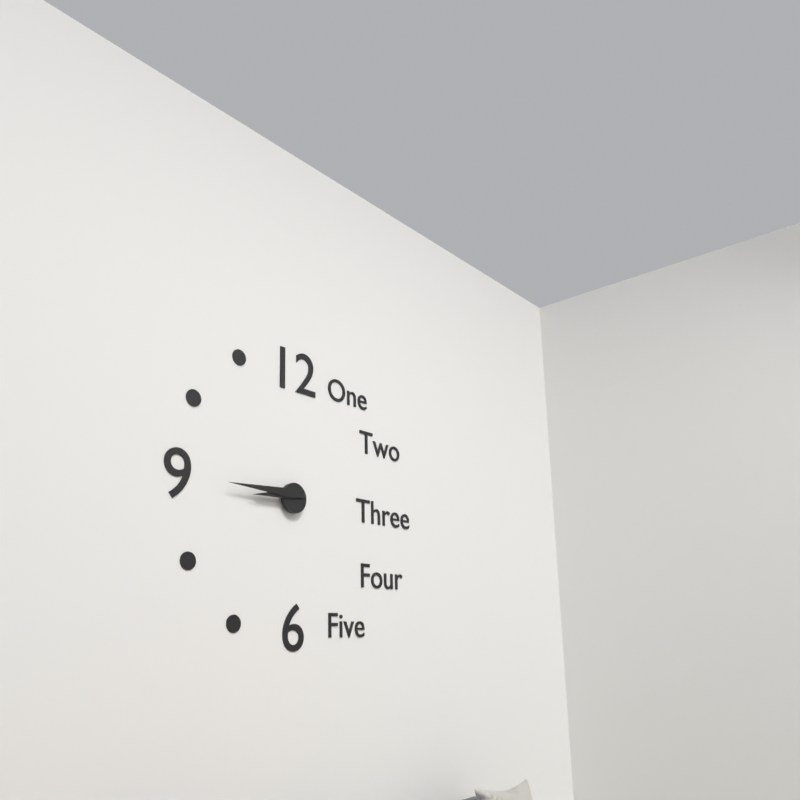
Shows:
8h45
